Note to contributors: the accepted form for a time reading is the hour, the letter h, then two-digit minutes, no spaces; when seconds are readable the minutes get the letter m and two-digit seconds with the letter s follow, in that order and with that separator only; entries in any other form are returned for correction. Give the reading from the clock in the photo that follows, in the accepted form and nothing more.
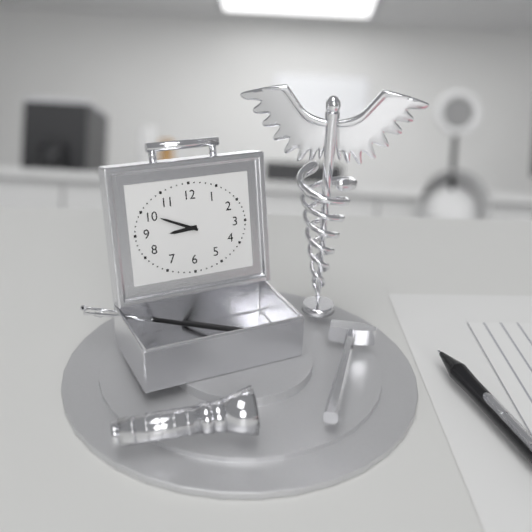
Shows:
8h49
